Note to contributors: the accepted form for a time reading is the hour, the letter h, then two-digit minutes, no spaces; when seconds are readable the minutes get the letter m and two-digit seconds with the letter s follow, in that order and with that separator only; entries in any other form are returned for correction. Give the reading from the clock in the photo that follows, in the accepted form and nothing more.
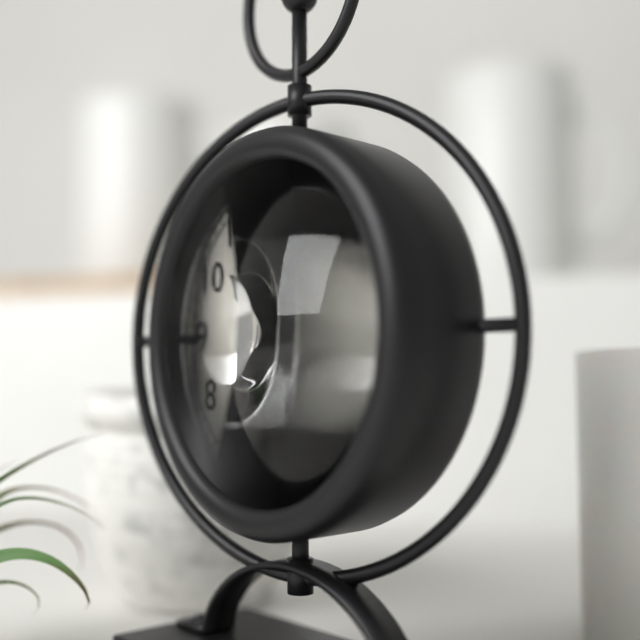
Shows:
10h29
